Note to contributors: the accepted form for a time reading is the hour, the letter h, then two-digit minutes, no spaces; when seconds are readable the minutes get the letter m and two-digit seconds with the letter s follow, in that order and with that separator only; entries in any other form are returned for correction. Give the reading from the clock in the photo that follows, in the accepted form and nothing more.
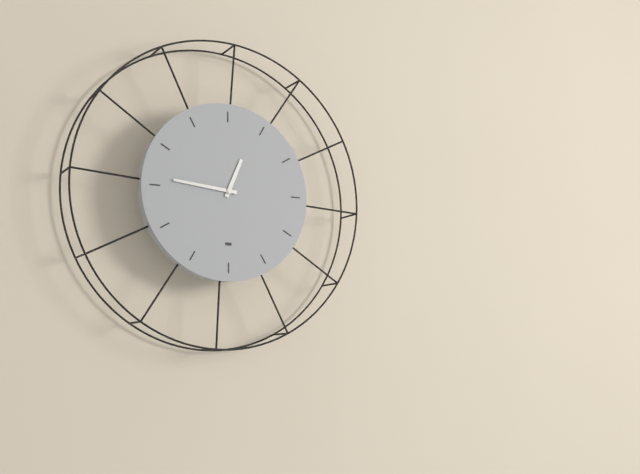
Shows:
12h46
